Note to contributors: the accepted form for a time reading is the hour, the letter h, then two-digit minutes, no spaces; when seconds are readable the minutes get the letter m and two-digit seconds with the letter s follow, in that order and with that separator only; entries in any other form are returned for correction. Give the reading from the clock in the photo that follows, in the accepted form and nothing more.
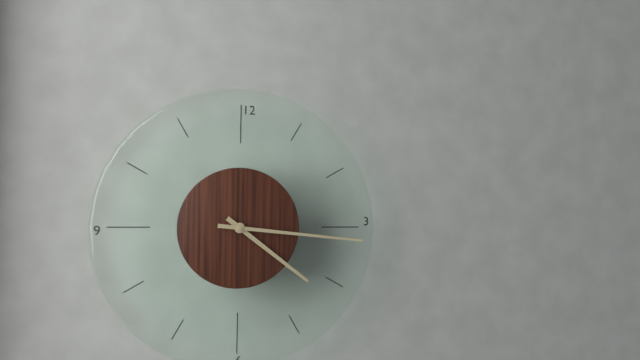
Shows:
4h16
